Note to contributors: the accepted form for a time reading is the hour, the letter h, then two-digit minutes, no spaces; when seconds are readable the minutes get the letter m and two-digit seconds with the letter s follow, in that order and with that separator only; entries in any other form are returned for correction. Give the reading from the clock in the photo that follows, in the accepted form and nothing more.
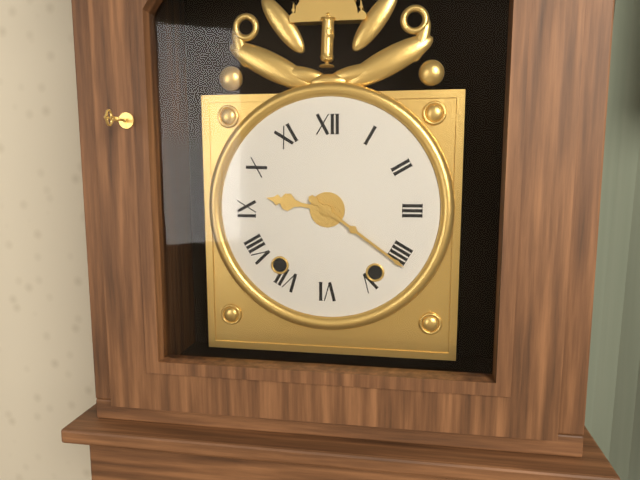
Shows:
9h21
